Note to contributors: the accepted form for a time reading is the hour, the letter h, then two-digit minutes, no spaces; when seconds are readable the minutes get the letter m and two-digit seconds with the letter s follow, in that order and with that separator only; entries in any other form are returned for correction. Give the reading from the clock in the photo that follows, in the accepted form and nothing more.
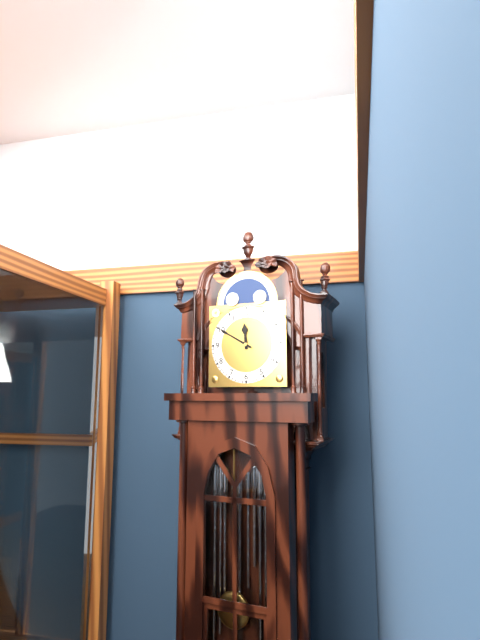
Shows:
11h50
